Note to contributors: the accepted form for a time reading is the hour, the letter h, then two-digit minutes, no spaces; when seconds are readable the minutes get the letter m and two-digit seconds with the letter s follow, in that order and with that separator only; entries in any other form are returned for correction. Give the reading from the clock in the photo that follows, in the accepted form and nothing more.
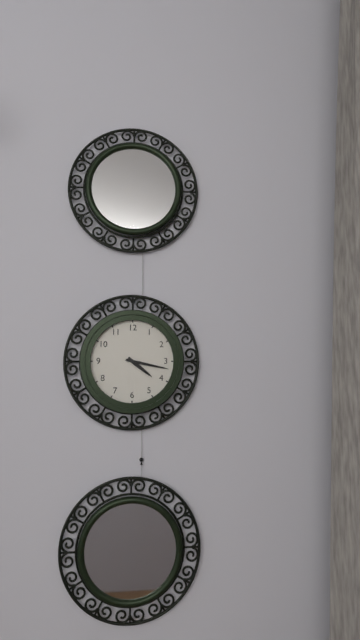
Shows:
4h17
